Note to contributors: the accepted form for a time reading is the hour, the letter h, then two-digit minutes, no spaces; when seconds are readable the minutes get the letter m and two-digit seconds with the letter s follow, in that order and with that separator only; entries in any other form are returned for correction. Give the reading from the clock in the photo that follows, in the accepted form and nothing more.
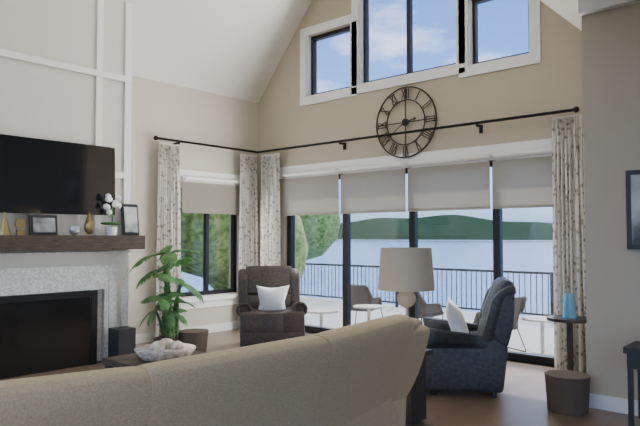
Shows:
2h39
